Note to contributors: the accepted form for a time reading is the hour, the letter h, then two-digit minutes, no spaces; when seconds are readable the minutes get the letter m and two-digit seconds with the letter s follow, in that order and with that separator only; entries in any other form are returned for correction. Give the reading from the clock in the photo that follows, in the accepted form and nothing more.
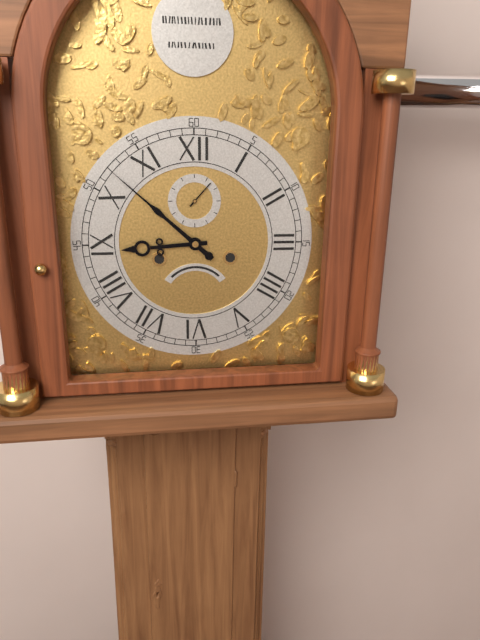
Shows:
8h52
